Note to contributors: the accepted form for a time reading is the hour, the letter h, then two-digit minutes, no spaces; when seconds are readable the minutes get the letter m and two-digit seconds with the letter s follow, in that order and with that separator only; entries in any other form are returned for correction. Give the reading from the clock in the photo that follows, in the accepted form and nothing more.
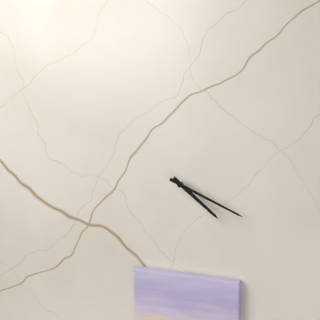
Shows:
4h19
